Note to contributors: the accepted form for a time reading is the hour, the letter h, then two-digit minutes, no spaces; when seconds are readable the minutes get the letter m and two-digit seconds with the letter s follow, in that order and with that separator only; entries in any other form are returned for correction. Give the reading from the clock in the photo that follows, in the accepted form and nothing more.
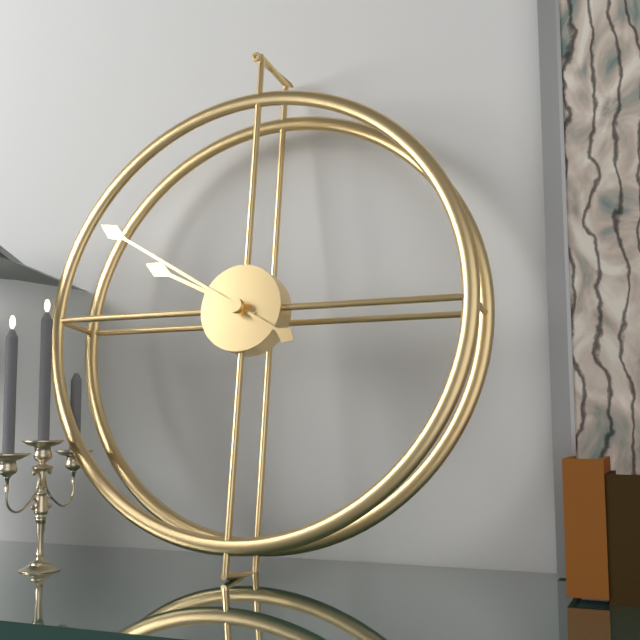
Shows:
9h50
